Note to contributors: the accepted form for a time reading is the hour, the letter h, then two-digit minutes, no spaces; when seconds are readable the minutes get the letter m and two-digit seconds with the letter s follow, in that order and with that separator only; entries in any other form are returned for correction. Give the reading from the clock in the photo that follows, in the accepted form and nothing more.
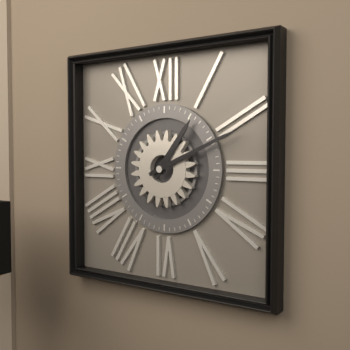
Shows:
1h11
